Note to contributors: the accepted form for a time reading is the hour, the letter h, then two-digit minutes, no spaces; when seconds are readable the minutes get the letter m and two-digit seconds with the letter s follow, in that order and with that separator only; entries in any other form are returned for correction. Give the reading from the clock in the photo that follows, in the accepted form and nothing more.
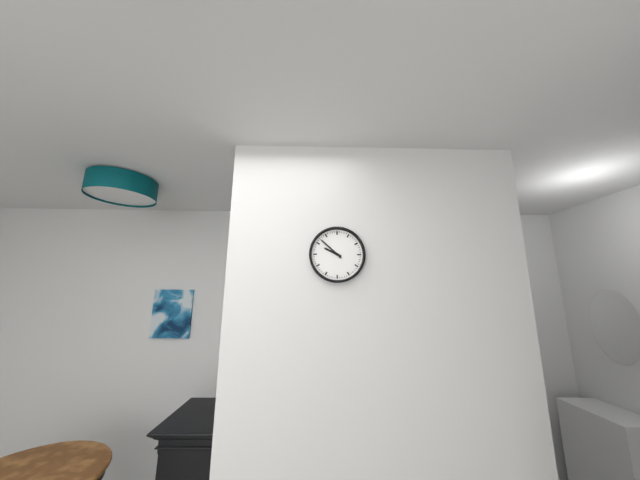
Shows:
9h52
